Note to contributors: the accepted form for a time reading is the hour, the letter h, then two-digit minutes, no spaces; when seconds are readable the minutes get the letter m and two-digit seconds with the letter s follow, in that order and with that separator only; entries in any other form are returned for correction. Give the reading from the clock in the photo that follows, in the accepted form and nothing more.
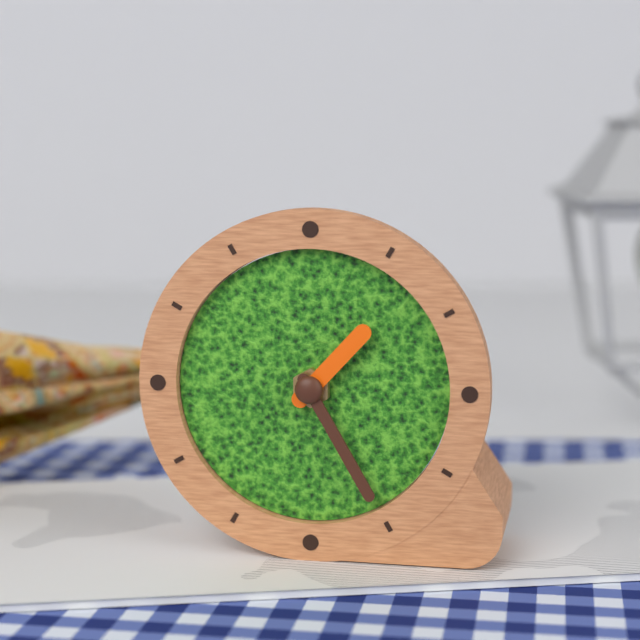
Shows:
1h25
